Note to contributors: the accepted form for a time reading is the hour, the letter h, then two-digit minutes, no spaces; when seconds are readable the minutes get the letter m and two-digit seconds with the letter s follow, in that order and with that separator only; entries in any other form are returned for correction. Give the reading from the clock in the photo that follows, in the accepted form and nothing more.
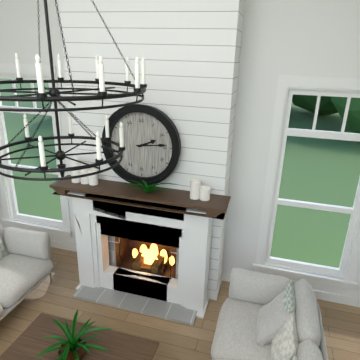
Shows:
2h14
